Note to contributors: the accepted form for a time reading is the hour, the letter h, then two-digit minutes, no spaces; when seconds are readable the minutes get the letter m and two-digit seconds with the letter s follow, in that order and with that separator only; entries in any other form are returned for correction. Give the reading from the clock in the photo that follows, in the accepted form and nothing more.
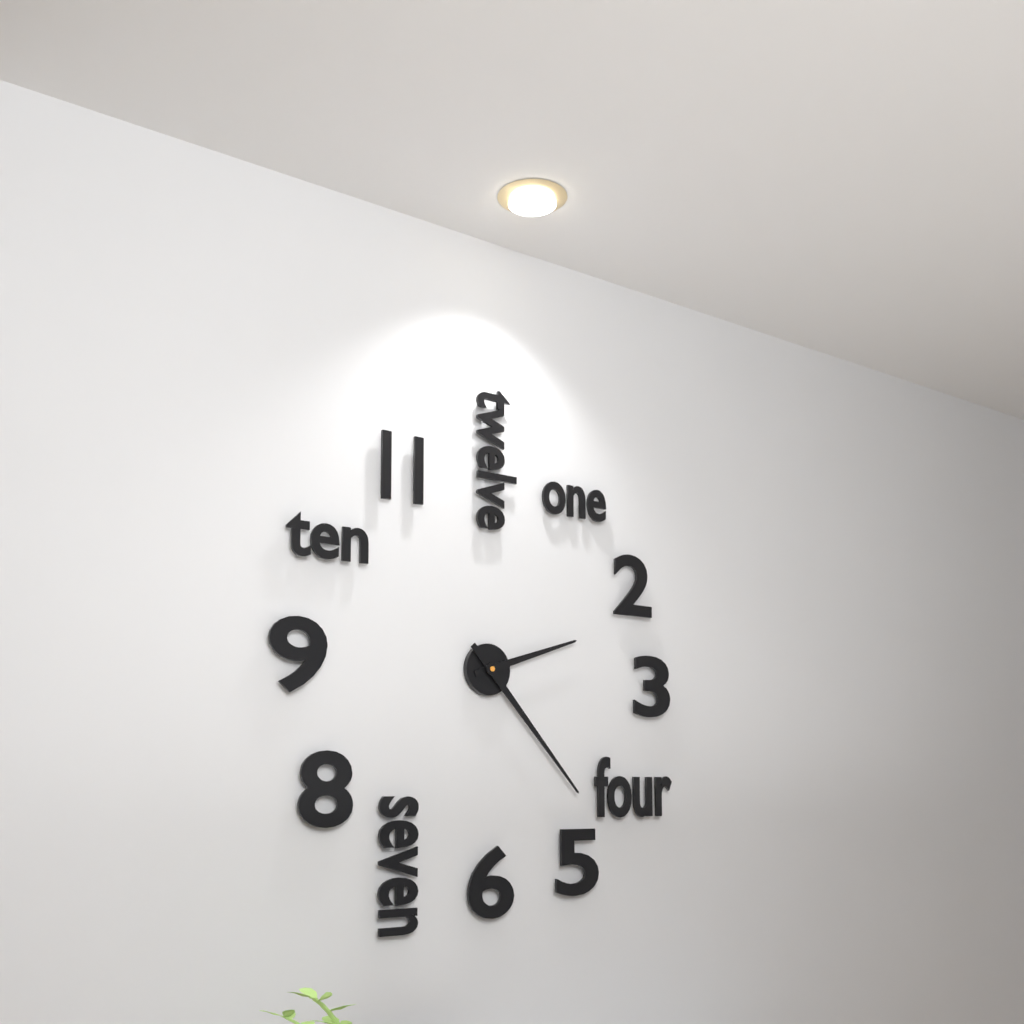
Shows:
2h23
